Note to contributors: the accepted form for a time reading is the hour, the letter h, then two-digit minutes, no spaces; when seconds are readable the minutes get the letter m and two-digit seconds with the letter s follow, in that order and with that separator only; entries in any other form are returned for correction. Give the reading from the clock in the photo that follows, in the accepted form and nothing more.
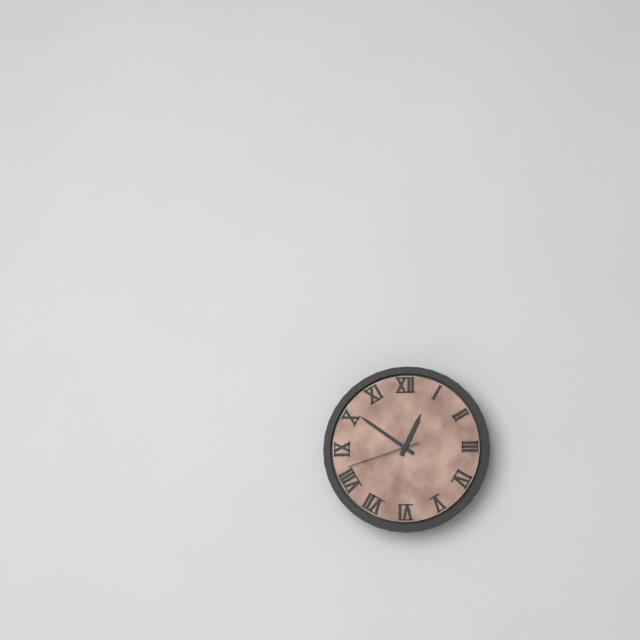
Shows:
12h51m42s
